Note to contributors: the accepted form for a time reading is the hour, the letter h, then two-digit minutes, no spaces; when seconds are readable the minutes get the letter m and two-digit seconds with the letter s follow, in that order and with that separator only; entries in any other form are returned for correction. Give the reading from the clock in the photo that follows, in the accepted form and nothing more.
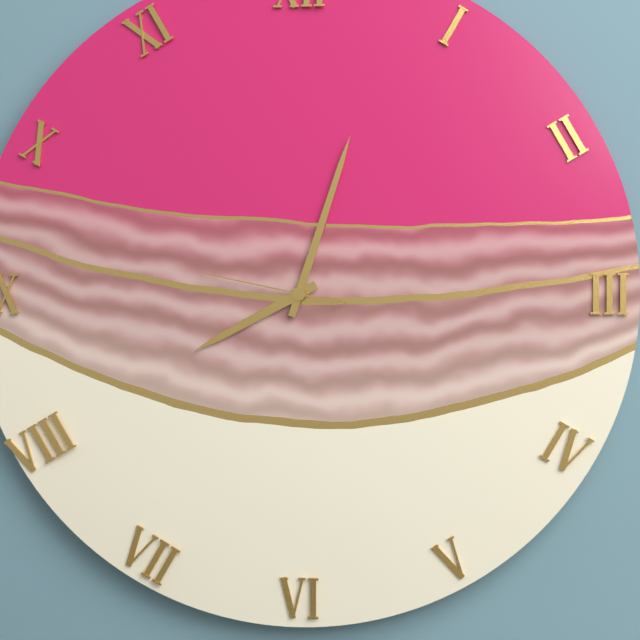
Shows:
8h03m47s
